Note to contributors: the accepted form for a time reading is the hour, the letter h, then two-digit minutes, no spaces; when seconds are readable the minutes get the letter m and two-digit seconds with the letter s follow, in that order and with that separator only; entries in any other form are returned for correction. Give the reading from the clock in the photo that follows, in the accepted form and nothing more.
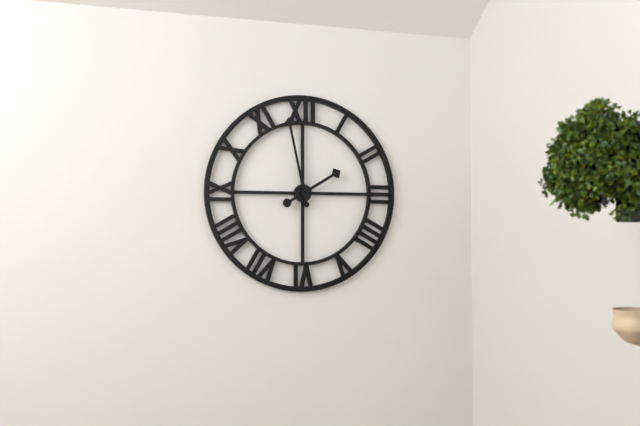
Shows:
1h58
